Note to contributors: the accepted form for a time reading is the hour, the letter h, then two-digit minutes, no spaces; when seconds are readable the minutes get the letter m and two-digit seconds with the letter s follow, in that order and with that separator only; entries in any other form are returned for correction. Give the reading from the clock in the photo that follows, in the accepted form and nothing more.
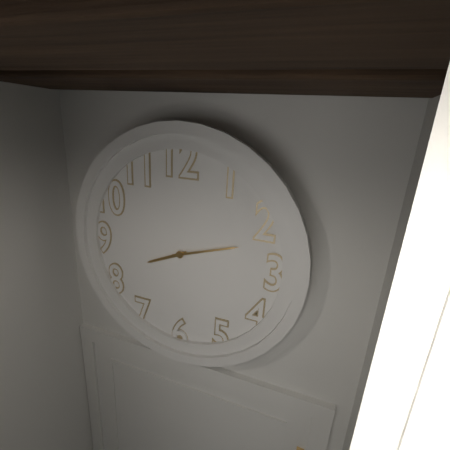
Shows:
8h12
